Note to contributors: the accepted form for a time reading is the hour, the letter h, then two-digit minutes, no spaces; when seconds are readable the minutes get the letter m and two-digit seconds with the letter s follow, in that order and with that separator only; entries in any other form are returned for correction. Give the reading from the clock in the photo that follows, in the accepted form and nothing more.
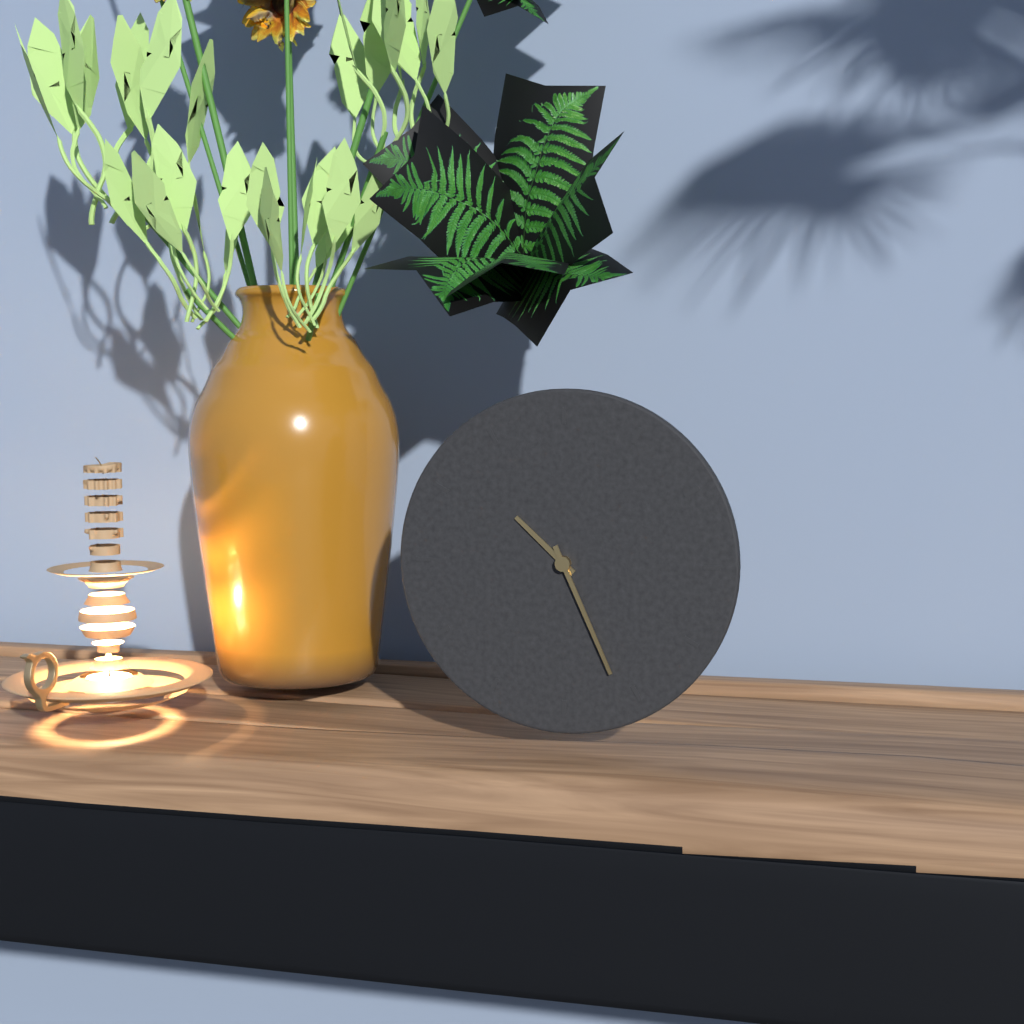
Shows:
10h26
